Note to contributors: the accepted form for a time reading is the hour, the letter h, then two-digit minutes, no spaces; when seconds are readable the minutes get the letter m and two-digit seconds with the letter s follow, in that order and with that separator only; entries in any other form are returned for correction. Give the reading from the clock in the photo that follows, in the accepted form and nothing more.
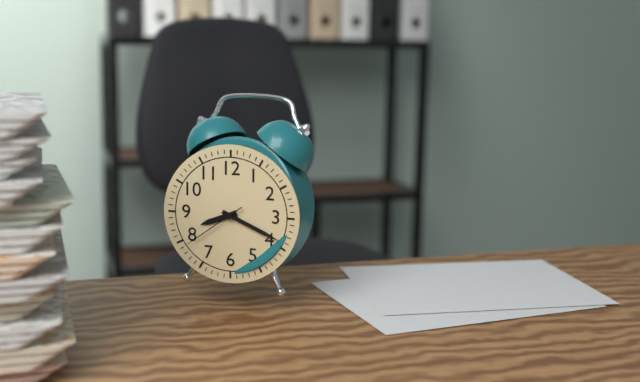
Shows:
8h19m39s
